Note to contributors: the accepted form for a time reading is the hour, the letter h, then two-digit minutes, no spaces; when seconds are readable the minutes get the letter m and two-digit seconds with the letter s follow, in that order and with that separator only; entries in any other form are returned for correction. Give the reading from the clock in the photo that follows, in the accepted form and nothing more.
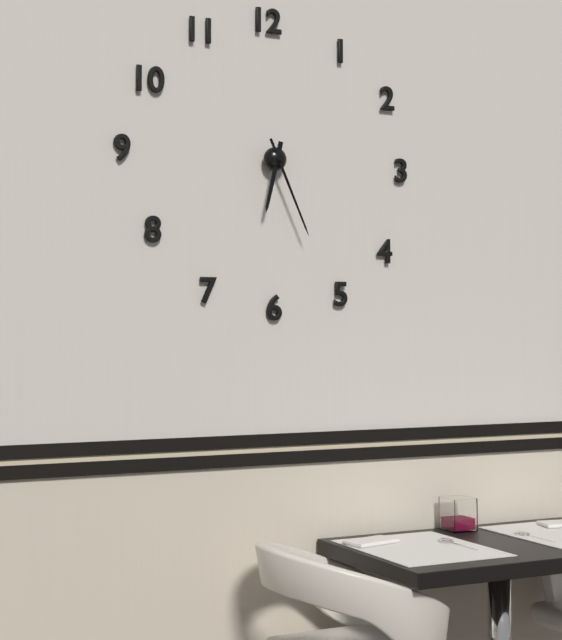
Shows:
6h26
